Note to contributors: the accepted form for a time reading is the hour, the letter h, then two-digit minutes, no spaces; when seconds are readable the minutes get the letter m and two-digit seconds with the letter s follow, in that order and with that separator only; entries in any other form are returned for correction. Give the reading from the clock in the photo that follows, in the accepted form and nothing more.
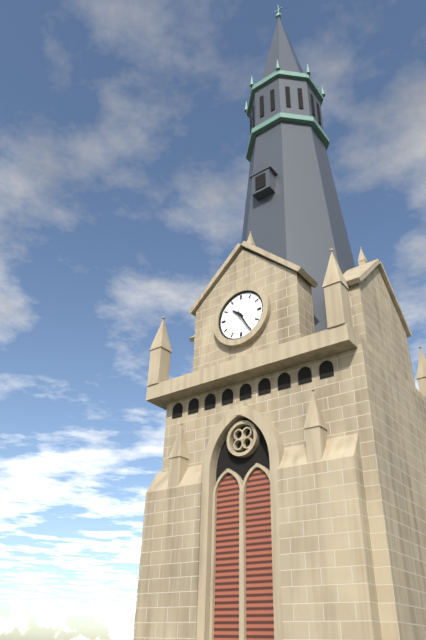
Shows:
10h25
